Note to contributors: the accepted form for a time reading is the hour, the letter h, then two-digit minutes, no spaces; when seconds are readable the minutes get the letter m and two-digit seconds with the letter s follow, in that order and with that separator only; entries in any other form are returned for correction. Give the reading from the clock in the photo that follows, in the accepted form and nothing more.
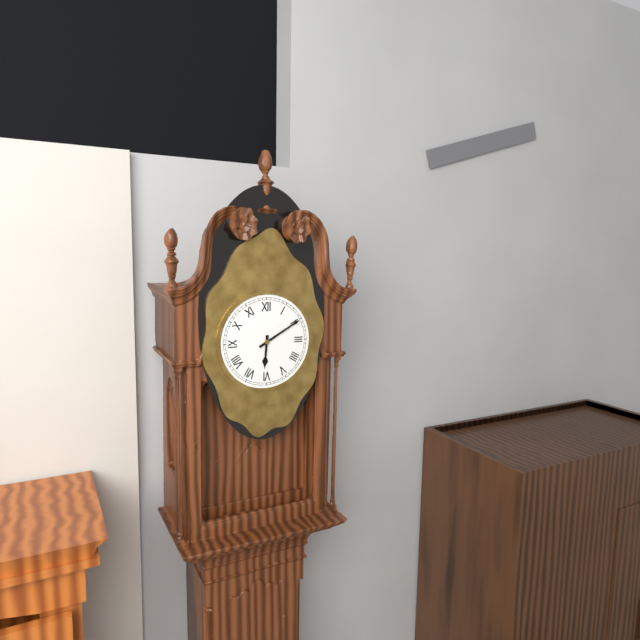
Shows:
6h10
